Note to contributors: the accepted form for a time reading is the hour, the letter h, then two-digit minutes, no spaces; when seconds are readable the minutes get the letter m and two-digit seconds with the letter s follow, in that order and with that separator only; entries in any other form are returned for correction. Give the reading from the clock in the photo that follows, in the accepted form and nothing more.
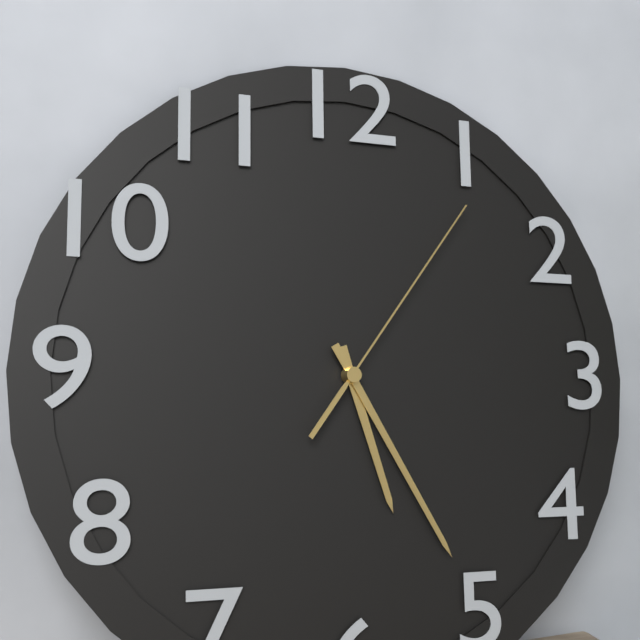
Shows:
5h25m06s
